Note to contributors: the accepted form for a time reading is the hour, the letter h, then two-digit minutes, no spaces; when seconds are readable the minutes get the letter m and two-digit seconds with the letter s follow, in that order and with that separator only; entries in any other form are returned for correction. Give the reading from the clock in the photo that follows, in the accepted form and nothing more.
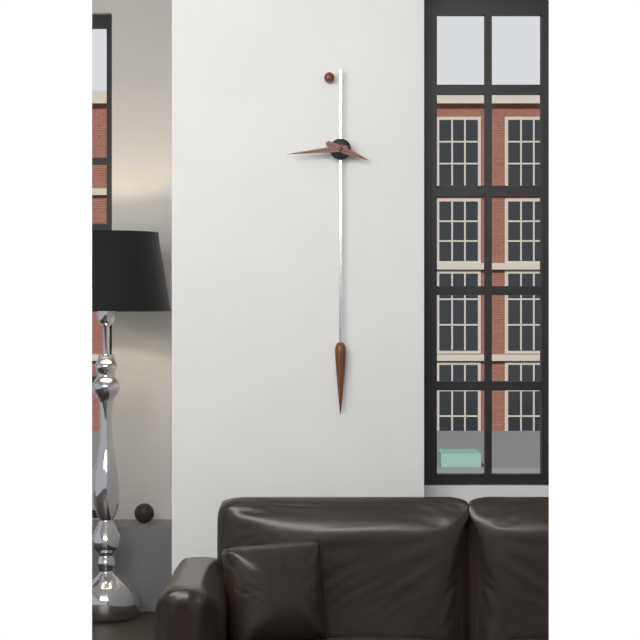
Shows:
3h44
